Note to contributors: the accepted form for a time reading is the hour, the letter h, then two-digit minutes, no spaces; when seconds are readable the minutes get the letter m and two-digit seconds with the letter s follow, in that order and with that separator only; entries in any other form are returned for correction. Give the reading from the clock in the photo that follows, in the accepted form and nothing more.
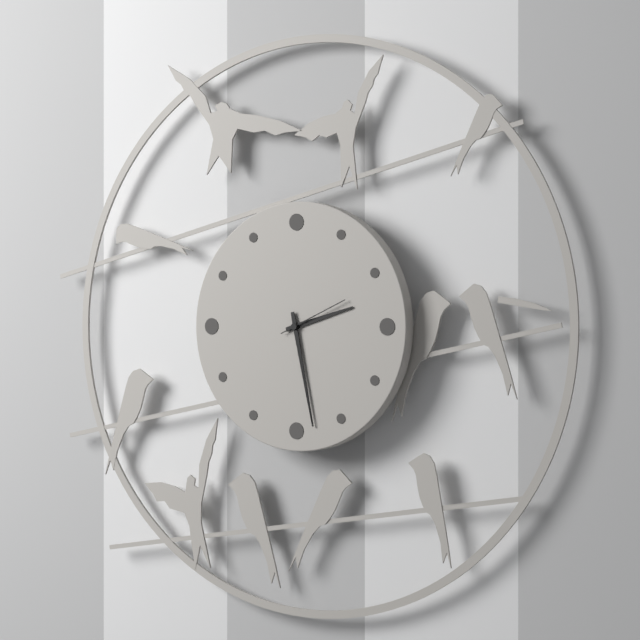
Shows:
2h28m11s
